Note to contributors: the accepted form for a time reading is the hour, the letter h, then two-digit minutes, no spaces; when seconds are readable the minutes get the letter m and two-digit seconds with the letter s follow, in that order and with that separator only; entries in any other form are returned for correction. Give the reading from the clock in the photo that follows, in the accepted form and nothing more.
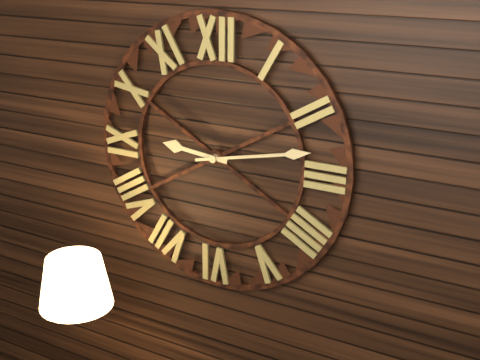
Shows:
9h13
